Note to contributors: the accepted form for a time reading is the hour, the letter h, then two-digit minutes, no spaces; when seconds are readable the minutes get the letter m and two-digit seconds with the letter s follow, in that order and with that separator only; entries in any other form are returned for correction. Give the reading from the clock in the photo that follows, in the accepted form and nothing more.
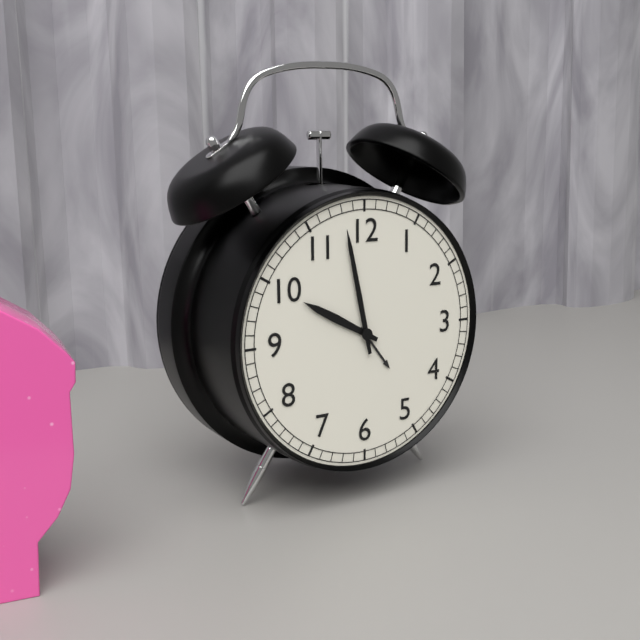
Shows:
9h58
